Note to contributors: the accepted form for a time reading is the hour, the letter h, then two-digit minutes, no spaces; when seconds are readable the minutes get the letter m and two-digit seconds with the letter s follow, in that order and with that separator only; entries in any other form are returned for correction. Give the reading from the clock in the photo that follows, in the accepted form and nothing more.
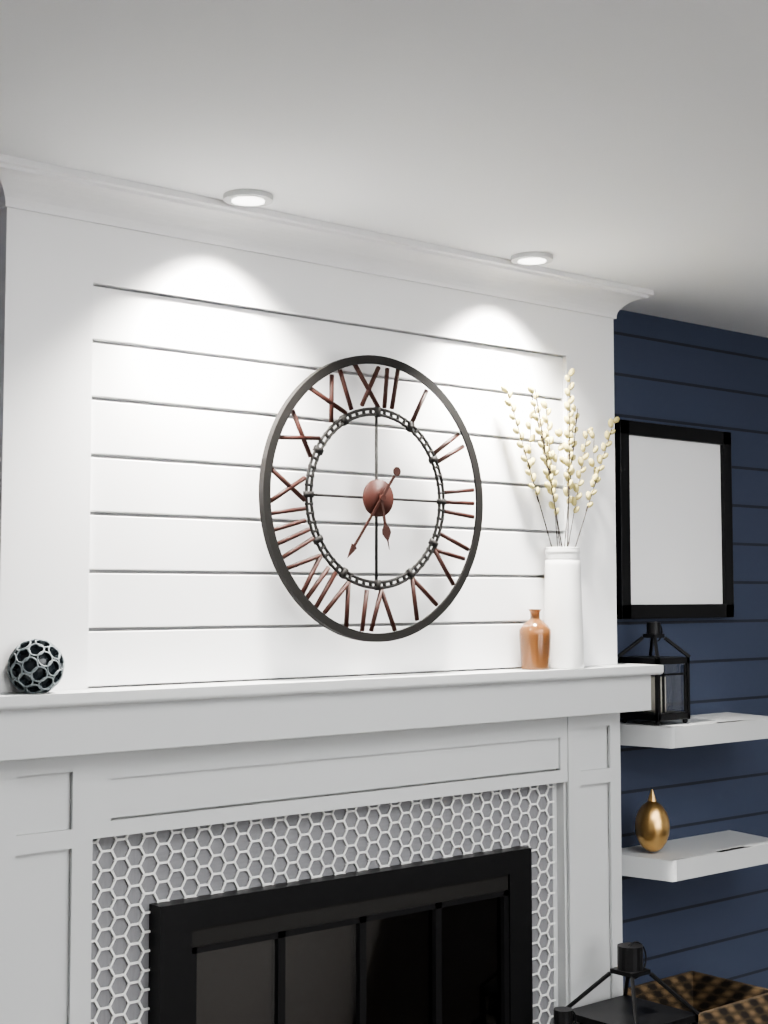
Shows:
5h36
